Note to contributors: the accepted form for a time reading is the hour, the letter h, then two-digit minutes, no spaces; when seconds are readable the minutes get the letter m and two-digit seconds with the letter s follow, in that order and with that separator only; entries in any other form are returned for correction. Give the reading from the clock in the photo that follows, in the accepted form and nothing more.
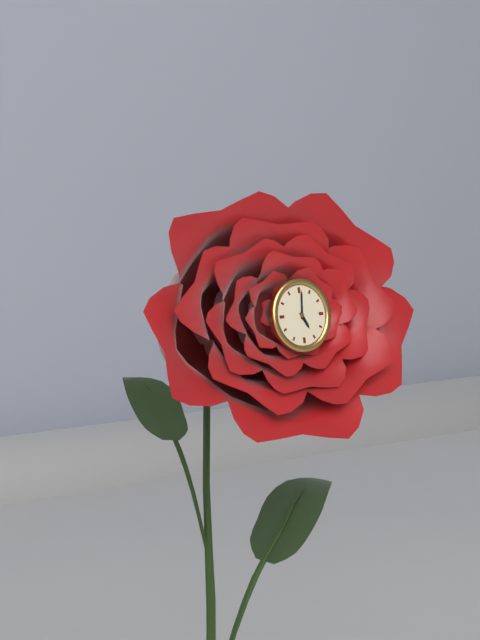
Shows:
5h01
